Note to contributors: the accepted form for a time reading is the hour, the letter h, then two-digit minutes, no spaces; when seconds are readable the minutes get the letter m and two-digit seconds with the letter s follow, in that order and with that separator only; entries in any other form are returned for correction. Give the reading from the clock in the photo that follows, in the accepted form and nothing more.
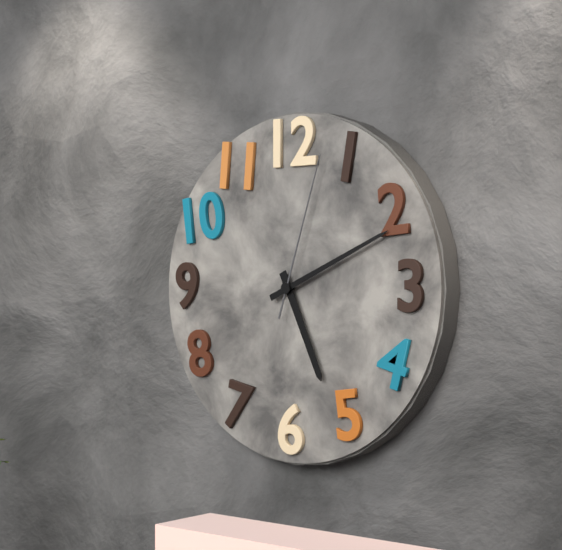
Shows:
5h11m03s
